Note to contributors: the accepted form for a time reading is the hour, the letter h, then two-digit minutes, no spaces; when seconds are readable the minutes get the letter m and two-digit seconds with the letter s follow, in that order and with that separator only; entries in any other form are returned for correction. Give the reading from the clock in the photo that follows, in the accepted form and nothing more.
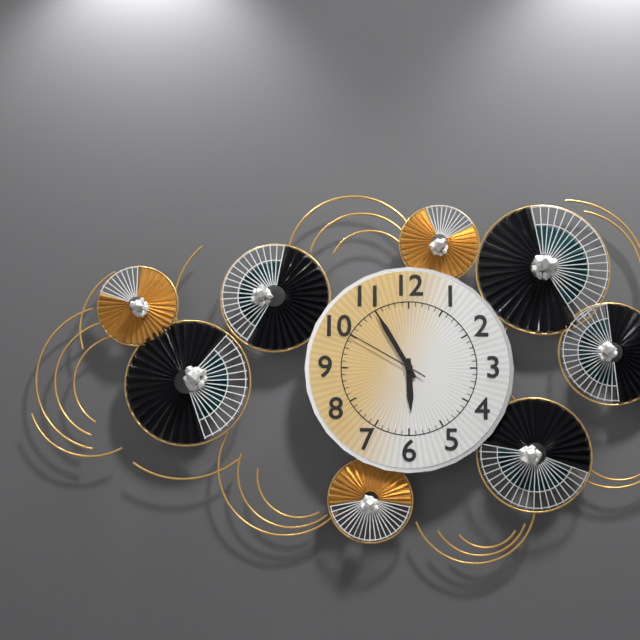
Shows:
5h55m50s
